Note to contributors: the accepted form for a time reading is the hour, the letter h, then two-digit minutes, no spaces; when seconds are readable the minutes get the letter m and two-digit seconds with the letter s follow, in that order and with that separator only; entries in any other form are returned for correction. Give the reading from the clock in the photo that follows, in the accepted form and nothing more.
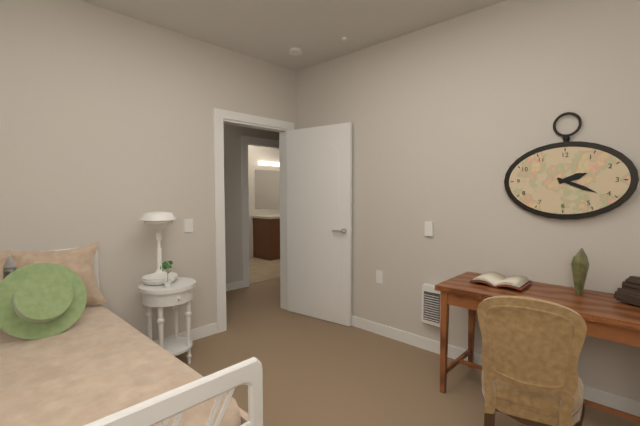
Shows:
2h19
